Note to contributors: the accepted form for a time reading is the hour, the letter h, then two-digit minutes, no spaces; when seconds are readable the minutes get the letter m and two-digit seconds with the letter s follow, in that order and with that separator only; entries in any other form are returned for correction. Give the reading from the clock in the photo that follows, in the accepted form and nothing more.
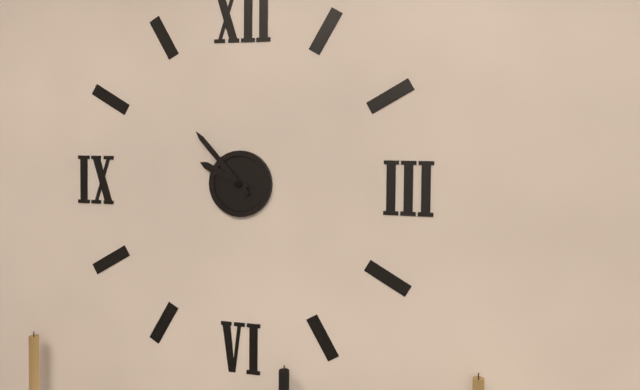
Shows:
9h53
